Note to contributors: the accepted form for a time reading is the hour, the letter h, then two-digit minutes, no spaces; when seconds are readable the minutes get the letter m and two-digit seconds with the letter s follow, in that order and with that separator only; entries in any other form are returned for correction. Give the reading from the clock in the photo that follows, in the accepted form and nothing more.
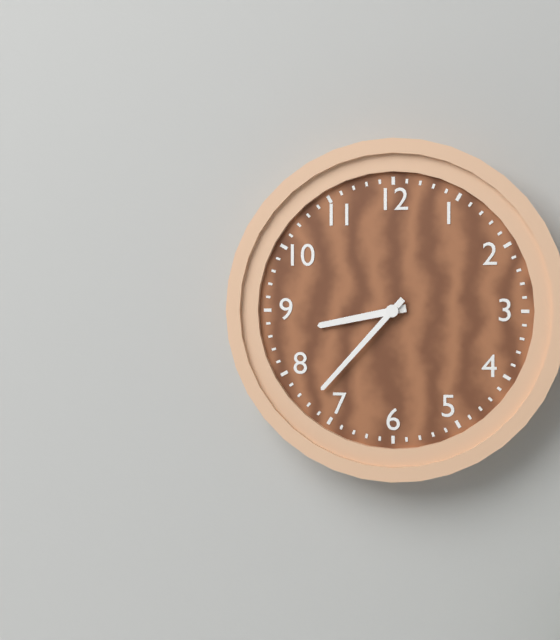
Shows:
8h37
